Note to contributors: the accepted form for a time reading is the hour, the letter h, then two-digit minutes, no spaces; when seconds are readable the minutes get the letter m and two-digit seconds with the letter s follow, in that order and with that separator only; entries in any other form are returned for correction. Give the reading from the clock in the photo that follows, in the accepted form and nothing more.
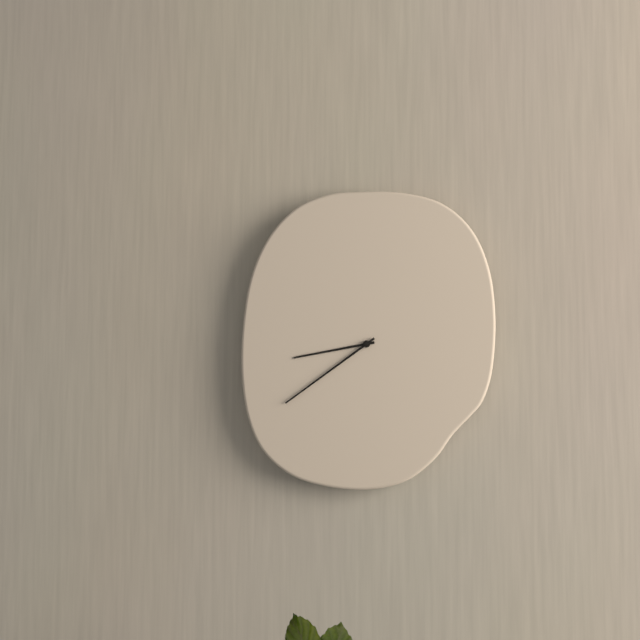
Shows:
8h39
